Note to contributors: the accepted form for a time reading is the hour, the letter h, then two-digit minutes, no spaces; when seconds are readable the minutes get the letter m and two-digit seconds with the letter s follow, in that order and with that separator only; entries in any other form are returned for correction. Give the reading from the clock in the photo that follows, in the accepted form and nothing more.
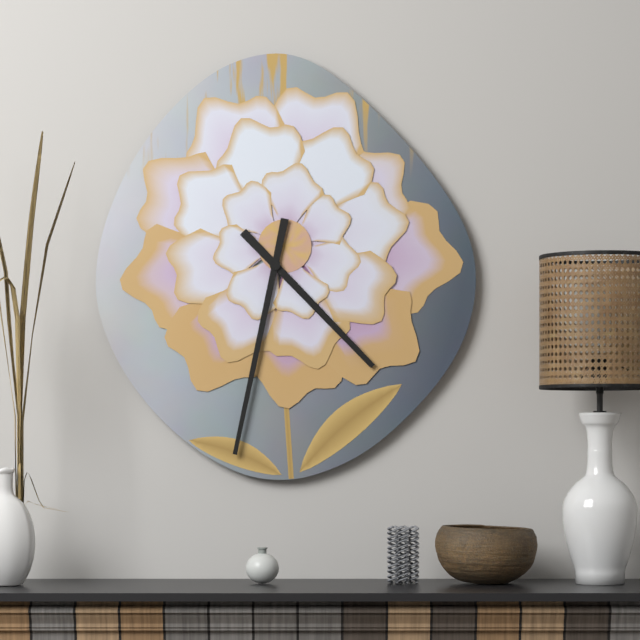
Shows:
4h32
